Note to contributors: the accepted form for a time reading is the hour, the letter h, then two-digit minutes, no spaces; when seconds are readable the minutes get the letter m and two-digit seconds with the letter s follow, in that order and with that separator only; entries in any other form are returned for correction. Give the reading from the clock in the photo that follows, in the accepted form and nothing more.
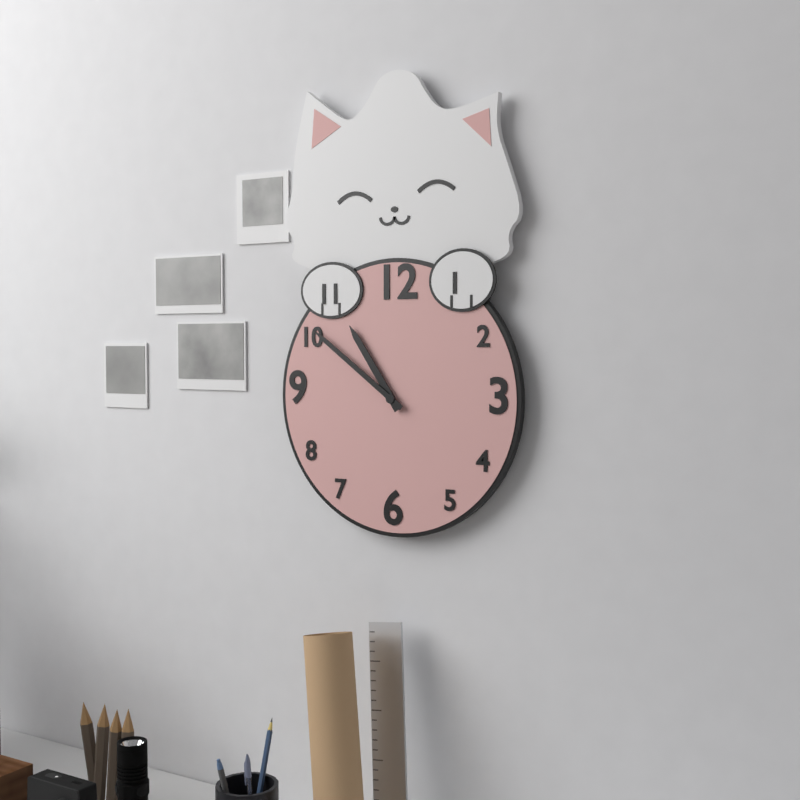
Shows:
10h51
